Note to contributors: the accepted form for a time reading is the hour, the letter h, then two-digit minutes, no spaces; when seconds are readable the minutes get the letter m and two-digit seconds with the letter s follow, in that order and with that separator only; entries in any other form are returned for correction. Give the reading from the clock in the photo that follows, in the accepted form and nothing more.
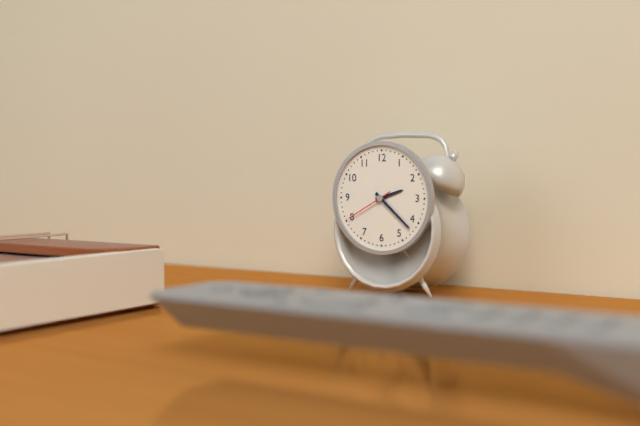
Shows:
2h22
